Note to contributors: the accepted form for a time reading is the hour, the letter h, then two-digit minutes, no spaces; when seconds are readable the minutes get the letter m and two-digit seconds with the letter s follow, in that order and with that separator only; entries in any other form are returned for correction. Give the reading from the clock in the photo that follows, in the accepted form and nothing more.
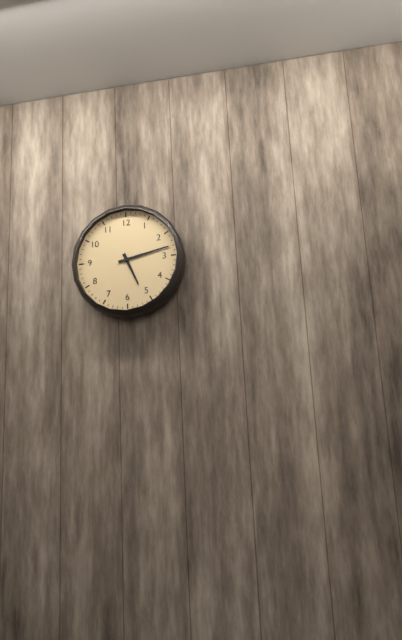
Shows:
5h13
